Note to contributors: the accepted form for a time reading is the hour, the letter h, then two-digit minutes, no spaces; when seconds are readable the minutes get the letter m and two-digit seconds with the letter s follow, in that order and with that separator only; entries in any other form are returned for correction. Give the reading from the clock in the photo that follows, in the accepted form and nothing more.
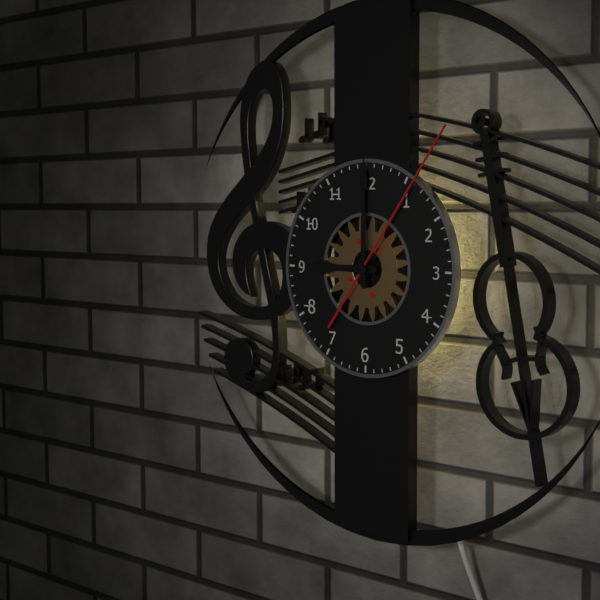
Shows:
9h00m06s
